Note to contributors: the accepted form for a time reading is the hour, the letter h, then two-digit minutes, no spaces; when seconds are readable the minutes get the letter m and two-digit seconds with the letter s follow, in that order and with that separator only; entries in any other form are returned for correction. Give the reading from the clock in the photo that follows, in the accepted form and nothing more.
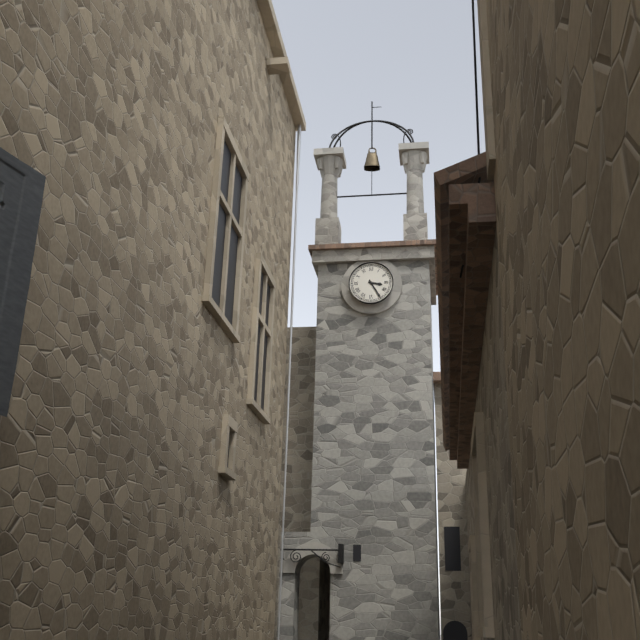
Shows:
3h25
